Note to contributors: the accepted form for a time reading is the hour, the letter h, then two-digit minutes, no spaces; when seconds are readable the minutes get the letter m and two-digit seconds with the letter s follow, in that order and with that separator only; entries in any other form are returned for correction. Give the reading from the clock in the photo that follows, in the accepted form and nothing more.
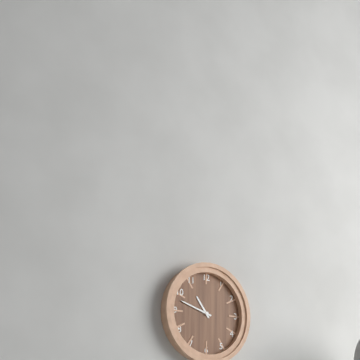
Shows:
10h48
